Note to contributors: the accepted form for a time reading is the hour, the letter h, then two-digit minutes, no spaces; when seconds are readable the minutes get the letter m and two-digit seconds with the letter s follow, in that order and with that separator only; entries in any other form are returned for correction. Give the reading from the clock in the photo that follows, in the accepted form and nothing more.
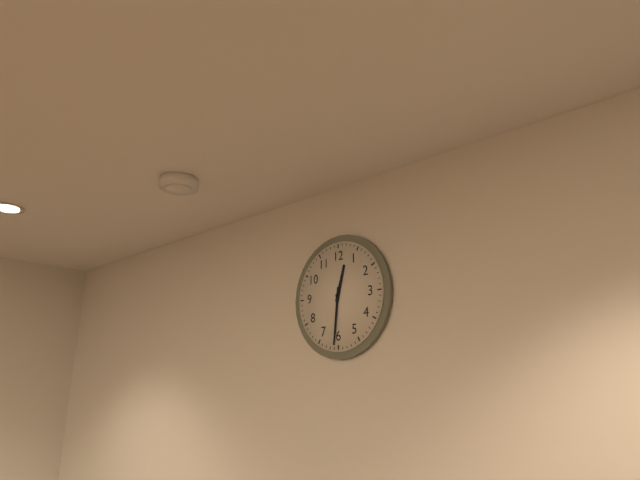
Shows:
12h31
